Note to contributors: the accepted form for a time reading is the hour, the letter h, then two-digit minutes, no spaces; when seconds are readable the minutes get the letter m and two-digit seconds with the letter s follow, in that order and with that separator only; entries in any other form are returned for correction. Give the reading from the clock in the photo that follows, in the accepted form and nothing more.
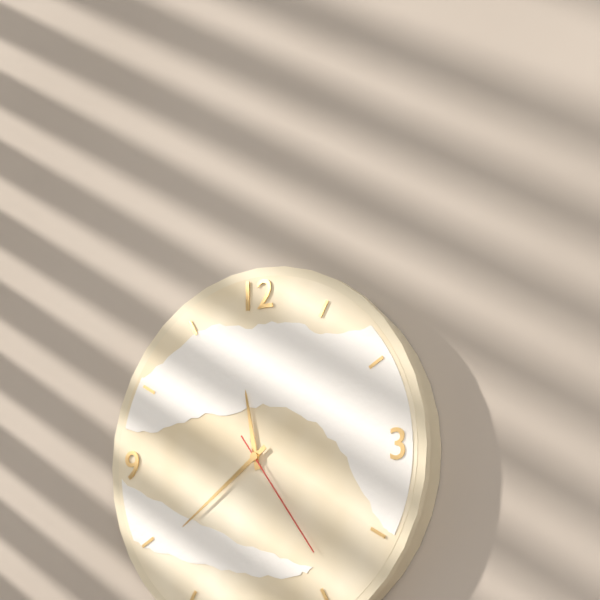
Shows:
11h39m24s
